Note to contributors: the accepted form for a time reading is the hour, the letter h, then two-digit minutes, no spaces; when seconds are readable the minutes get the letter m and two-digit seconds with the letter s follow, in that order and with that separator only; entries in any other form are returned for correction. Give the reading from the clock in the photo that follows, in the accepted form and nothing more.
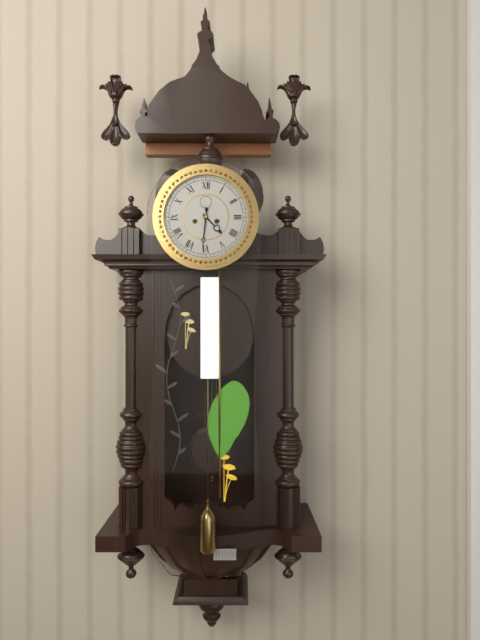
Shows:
4h31
